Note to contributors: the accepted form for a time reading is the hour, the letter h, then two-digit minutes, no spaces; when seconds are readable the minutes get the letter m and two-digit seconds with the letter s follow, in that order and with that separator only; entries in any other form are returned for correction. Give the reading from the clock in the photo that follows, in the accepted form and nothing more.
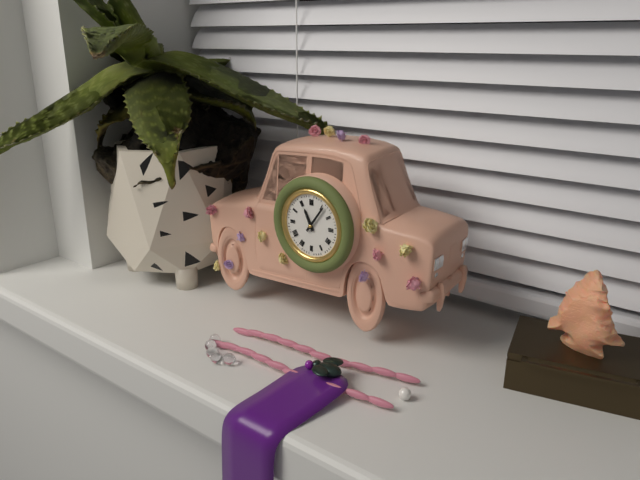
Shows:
11h06
